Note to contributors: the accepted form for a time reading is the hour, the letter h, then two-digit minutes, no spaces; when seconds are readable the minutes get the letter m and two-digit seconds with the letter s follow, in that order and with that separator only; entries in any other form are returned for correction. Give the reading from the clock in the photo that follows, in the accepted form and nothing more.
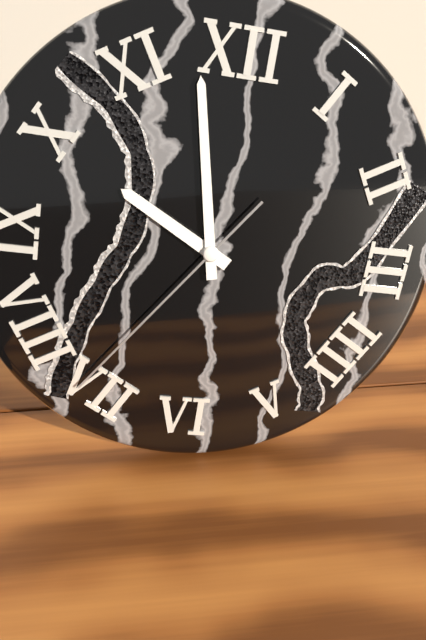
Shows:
9h58m36s
